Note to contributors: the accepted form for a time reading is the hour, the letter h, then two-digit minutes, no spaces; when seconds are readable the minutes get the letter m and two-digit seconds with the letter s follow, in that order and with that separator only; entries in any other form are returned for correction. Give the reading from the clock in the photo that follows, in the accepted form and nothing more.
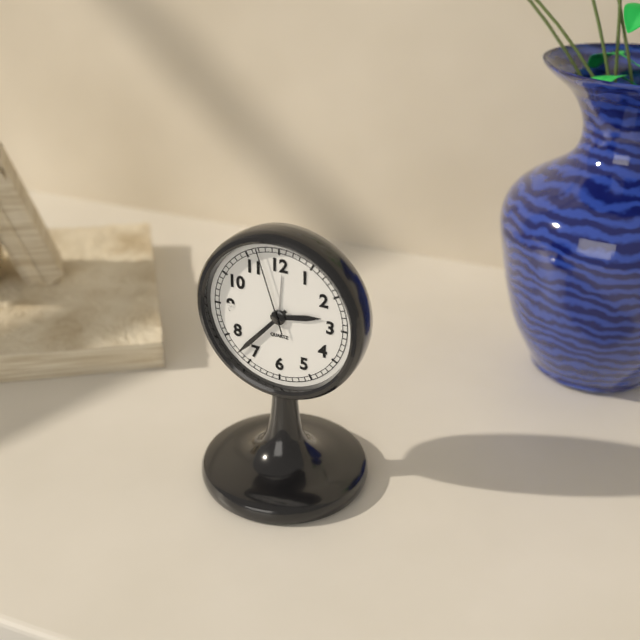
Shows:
2h37m57s
